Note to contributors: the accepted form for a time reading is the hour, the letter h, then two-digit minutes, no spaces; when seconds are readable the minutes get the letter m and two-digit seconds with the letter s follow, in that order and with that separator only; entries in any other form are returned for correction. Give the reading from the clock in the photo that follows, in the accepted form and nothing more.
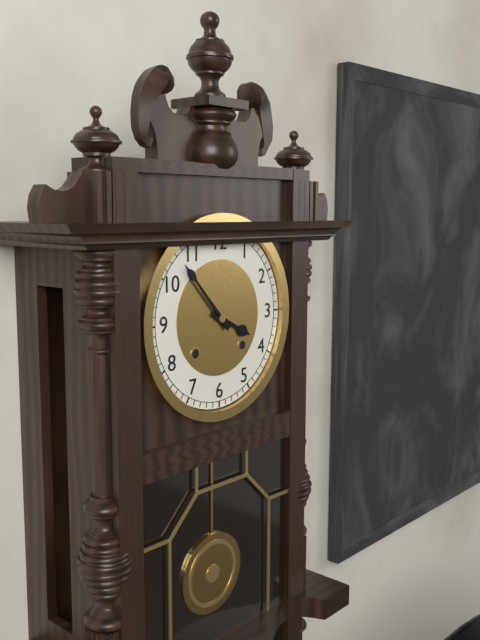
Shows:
3h53
